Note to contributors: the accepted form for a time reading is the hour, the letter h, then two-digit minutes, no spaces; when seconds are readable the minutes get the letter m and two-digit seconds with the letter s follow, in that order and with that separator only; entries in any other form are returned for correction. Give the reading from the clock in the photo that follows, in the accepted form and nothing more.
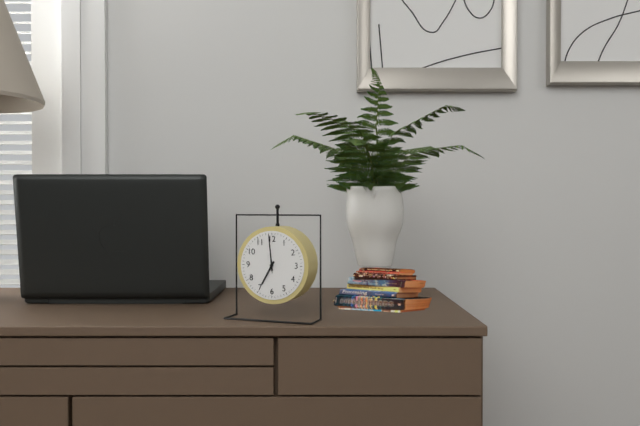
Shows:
6h59
